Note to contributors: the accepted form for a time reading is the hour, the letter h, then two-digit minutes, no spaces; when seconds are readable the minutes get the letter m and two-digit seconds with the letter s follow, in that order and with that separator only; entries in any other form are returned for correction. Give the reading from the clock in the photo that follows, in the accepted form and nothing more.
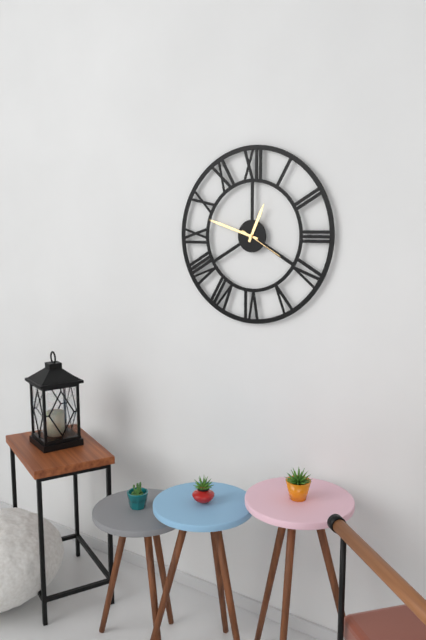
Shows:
12h48
